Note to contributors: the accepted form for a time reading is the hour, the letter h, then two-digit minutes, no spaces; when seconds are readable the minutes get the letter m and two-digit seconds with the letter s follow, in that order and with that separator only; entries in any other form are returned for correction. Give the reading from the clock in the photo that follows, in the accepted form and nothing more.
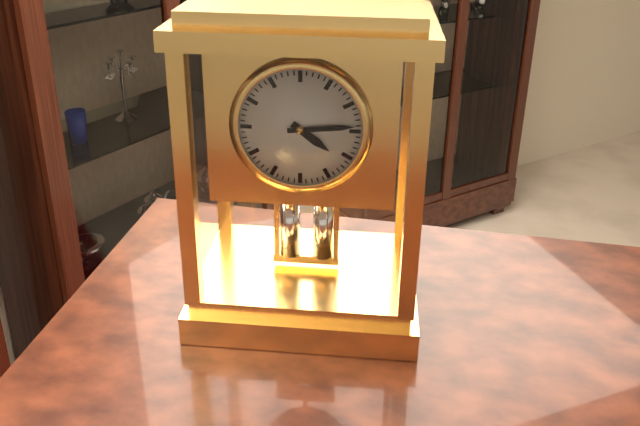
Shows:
4h14
